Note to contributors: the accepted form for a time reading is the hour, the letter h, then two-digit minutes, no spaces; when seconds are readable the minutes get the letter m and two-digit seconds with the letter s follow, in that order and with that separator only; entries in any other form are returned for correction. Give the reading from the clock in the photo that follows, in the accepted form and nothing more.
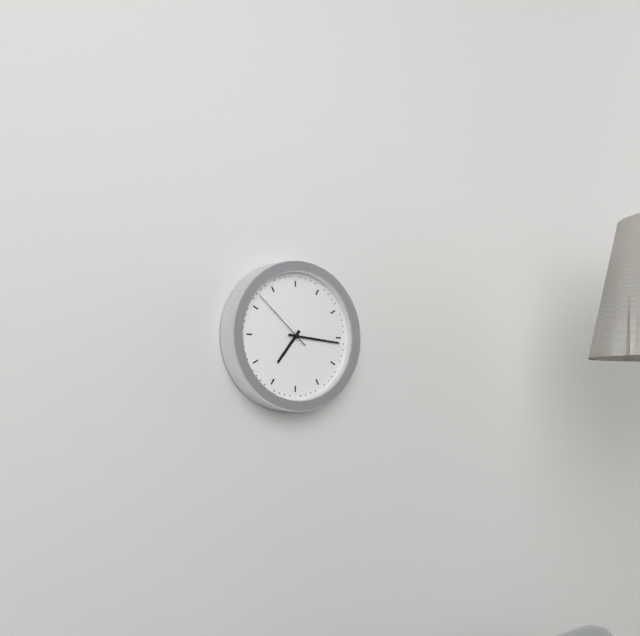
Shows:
7h16m52s
